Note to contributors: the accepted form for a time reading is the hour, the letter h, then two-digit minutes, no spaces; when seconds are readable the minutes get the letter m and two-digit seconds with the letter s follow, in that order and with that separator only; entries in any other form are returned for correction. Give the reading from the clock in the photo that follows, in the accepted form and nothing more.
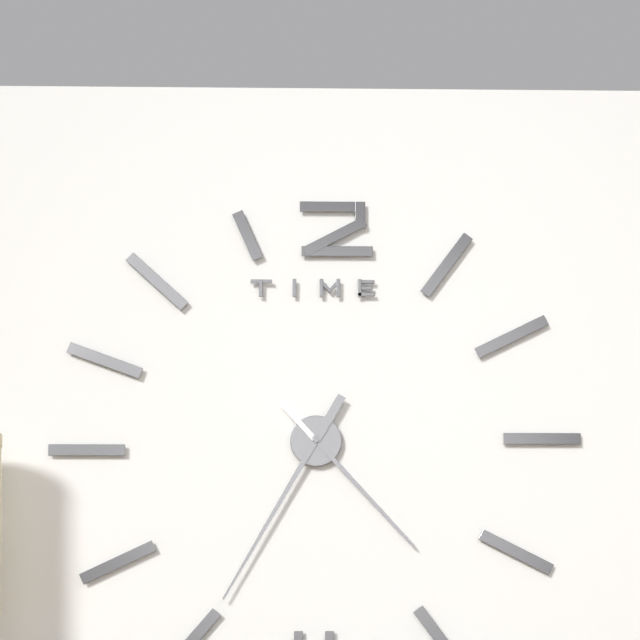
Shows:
4h35
